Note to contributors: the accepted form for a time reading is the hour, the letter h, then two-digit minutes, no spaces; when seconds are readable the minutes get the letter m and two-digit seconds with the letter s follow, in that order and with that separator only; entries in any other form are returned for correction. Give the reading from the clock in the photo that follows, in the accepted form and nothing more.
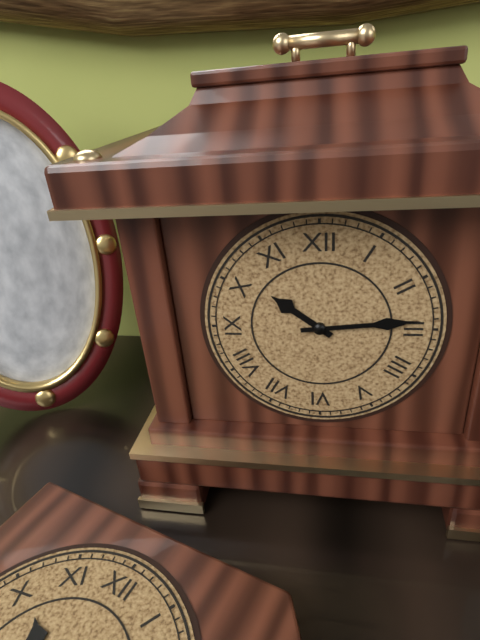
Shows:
10h14
